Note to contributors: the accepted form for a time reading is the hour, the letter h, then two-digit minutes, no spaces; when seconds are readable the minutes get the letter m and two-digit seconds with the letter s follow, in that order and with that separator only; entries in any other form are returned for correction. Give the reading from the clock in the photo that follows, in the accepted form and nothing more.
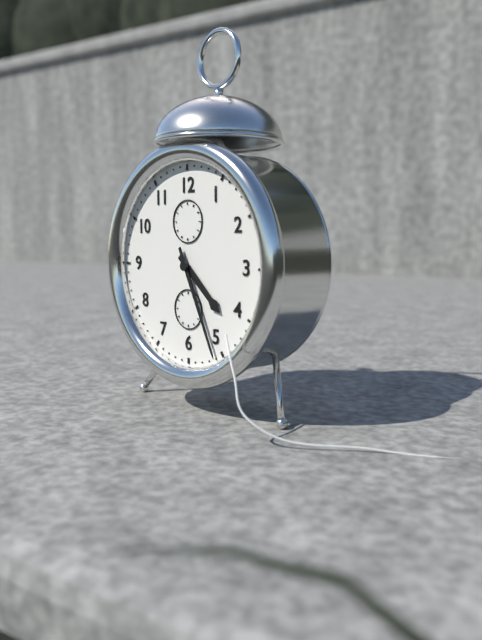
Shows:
4h26
